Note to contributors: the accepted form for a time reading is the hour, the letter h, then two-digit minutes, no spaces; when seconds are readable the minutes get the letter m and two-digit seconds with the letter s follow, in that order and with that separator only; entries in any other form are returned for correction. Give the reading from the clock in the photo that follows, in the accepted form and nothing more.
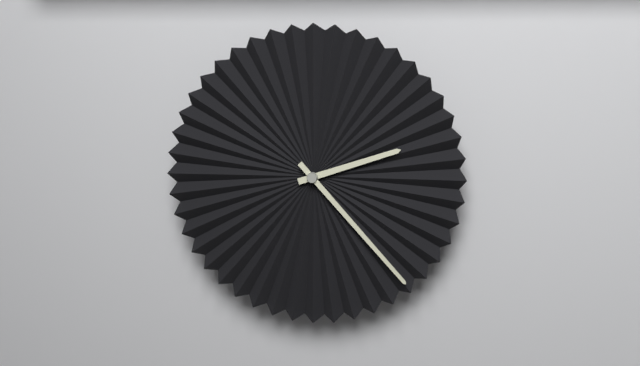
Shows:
2h23
